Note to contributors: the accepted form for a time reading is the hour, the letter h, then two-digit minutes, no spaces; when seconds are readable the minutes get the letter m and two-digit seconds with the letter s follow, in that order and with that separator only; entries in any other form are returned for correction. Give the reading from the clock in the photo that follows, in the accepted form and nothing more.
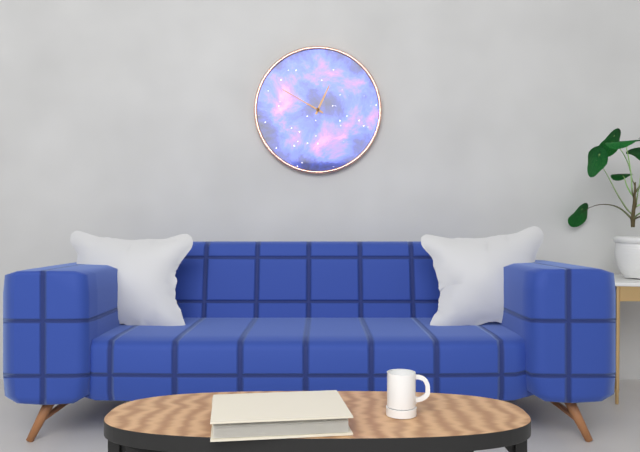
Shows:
12h50
